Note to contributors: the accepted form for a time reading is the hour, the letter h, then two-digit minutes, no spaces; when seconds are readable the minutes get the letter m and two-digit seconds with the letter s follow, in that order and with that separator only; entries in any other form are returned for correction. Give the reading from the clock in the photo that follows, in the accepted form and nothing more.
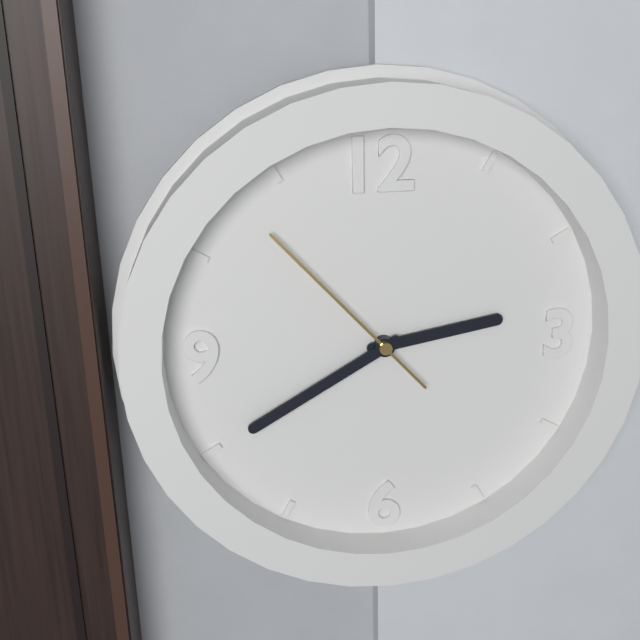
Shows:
2h40m53s
